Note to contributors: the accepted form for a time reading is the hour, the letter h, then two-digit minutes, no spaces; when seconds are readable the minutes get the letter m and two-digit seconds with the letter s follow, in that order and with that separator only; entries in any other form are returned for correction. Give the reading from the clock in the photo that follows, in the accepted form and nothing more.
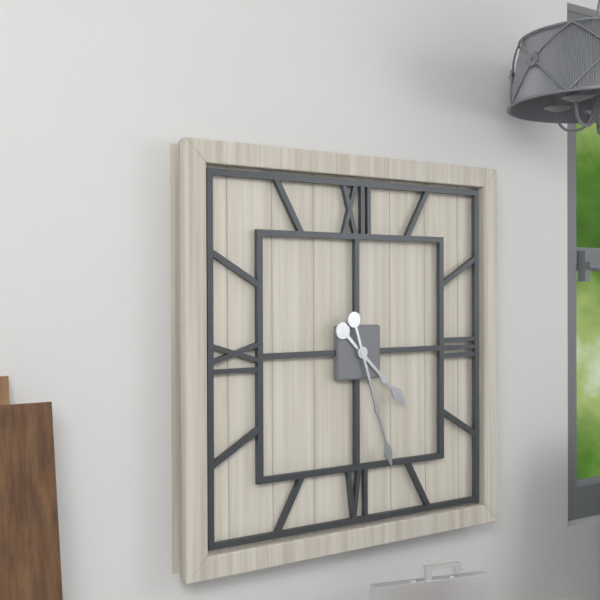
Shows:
4h27
